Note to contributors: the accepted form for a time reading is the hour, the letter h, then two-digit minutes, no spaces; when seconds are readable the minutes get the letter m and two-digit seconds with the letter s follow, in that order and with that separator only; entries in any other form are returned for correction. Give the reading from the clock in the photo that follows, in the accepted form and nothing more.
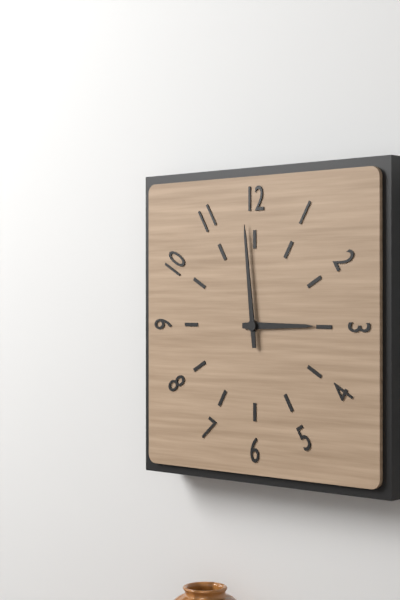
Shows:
2h59
